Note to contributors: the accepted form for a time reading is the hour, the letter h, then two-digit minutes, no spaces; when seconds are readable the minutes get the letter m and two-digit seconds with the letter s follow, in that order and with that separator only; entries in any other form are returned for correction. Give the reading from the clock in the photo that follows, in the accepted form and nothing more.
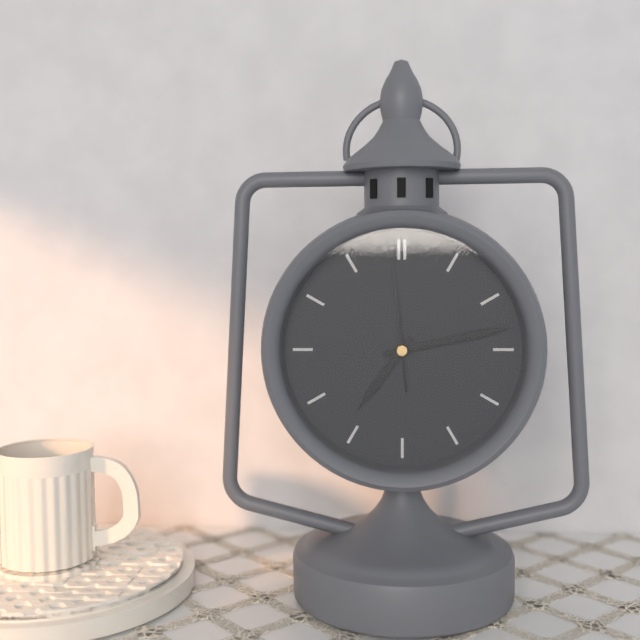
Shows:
7h13m59s
